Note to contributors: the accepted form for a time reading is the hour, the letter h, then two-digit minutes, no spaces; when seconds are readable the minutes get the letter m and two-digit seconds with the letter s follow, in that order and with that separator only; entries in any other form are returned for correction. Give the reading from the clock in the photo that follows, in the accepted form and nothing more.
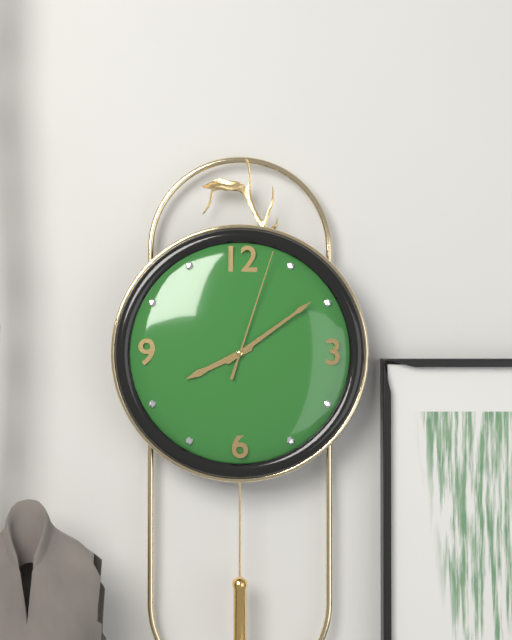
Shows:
8h09m03s
